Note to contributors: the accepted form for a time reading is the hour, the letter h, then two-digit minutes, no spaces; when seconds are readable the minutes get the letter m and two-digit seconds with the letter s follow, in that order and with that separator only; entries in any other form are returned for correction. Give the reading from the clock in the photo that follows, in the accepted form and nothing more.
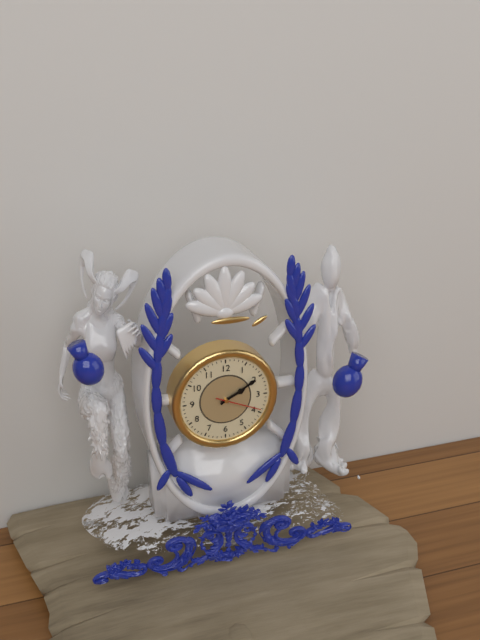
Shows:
2h10
